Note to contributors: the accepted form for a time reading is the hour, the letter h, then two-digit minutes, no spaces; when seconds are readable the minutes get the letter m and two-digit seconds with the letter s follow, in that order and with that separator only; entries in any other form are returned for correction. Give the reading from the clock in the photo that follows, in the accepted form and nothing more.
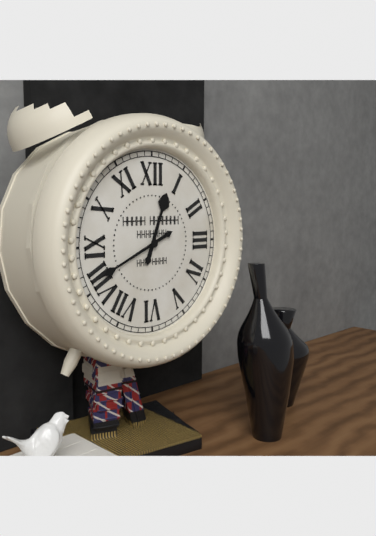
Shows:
12h41
